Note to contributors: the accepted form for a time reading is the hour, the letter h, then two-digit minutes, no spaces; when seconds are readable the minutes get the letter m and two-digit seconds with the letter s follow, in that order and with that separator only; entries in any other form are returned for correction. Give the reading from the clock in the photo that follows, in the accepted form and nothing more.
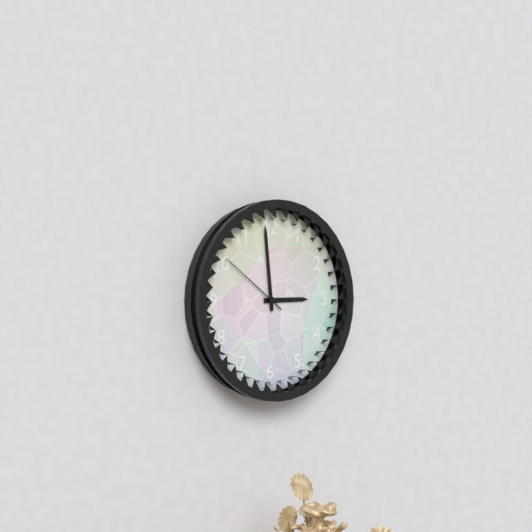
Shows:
2h59m51s
